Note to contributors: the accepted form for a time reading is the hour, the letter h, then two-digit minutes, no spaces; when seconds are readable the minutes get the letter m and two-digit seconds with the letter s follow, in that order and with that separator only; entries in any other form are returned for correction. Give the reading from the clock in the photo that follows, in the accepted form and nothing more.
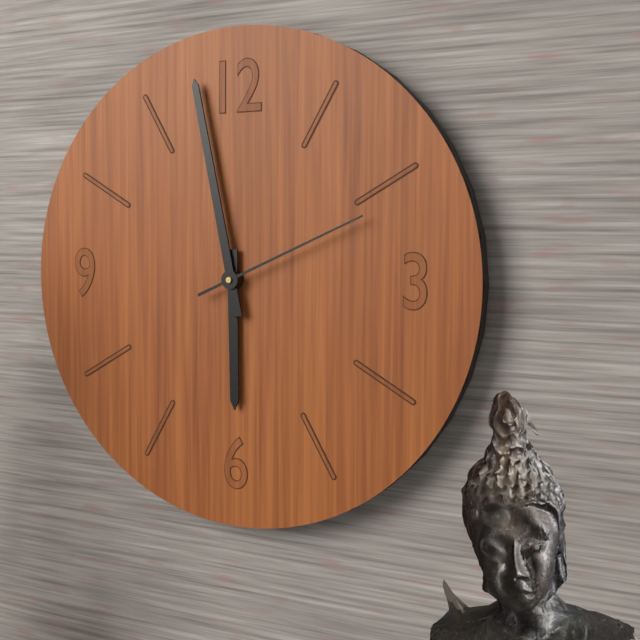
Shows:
5h58m11s
